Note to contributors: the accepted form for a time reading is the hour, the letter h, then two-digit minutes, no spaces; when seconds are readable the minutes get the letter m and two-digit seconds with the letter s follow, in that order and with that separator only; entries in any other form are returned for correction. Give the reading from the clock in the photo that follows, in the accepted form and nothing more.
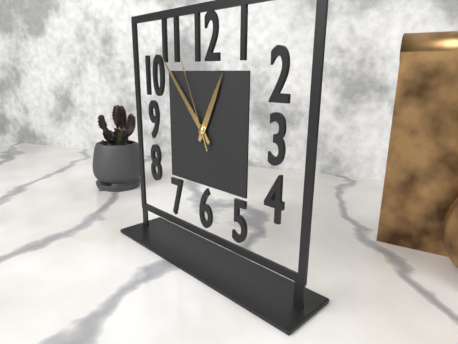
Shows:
12h53m56s
